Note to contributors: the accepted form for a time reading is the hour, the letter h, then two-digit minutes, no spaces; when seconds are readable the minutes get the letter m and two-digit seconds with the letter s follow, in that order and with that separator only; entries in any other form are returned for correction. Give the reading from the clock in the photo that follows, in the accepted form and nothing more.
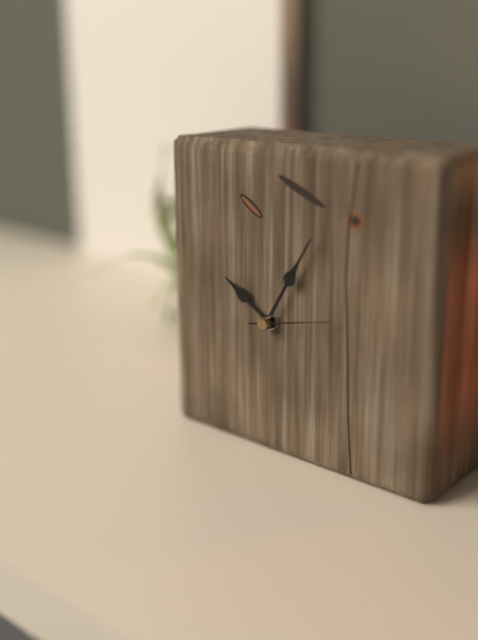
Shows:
10h05m13s
